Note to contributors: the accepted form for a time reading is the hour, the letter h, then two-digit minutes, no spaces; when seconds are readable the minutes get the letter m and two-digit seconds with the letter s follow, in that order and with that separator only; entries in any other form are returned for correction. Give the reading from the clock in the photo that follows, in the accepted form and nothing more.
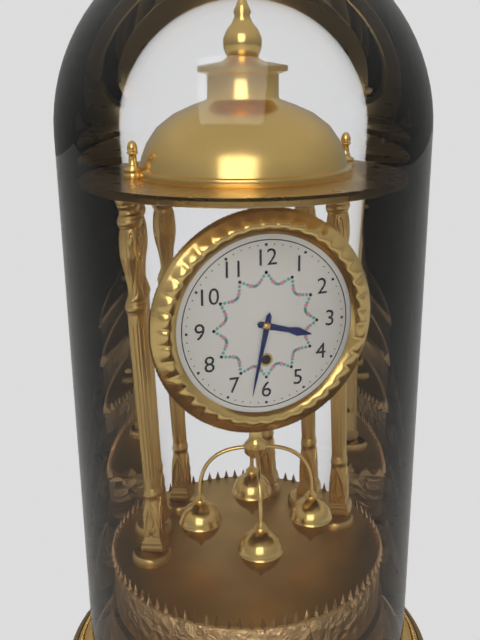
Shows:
3h32
